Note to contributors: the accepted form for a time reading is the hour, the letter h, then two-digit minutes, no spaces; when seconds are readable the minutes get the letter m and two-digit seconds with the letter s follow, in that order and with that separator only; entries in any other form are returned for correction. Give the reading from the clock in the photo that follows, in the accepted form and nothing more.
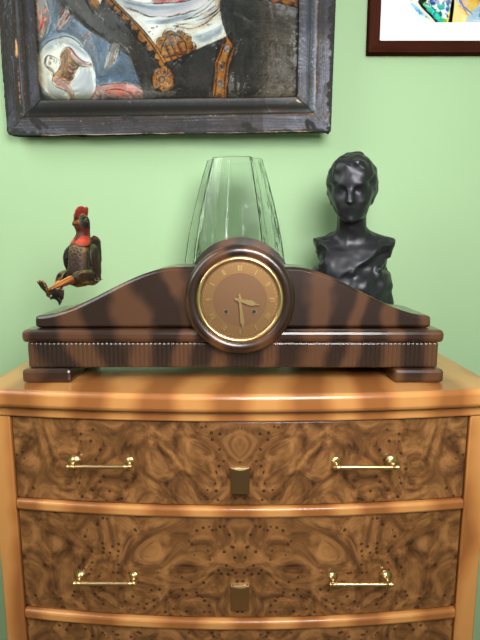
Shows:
3h29
